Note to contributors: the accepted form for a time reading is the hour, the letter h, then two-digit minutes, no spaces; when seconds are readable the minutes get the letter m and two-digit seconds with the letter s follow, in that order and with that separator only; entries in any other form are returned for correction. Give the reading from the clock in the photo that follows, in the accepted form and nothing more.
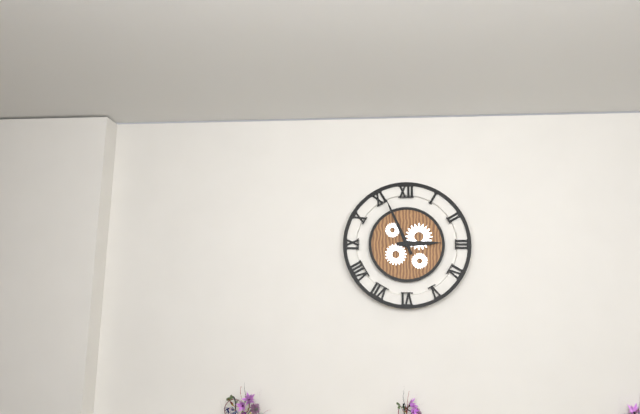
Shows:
2h56
